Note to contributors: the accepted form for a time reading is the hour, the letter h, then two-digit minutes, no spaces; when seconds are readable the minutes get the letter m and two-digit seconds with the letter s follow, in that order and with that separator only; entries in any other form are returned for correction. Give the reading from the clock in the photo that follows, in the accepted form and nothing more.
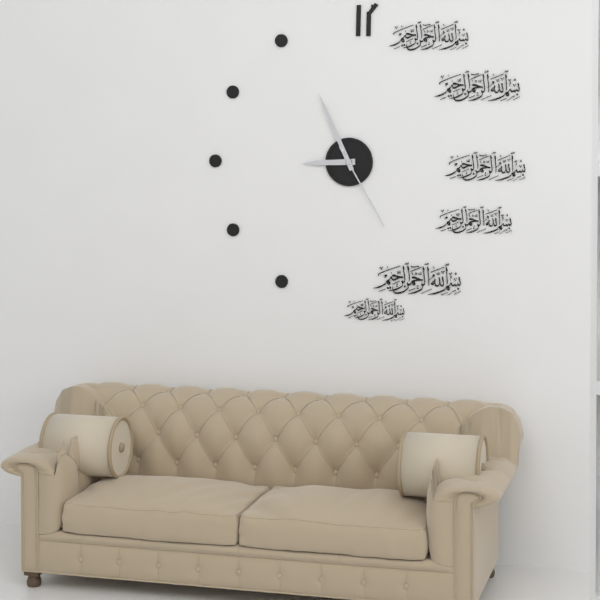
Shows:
8h56m25s
